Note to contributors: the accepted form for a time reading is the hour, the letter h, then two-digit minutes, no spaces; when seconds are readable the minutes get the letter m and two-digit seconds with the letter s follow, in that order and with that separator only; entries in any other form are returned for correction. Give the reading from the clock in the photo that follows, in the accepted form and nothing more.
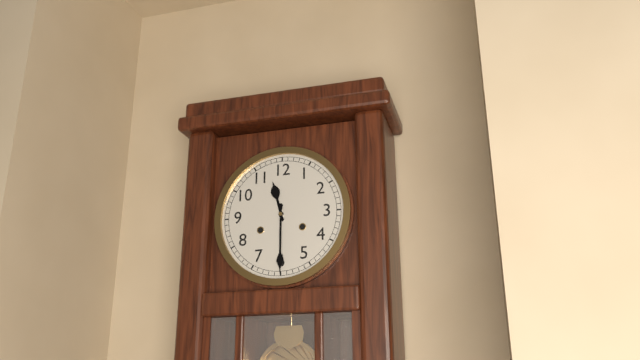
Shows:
11h30
